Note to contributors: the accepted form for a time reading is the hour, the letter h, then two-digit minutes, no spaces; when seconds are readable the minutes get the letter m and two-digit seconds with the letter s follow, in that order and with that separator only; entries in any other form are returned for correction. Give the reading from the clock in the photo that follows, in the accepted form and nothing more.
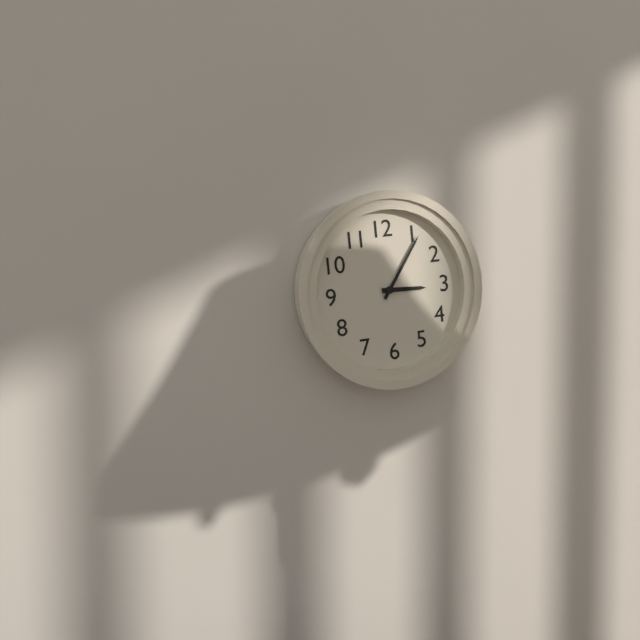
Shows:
3h06
